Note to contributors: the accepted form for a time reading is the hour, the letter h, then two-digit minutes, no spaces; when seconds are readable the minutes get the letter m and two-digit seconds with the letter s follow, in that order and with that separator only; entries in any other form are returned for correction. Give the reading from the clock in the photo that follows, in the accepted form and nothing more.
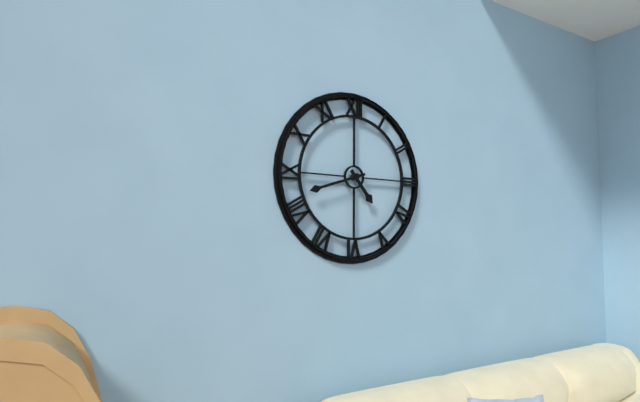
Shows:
4h42
